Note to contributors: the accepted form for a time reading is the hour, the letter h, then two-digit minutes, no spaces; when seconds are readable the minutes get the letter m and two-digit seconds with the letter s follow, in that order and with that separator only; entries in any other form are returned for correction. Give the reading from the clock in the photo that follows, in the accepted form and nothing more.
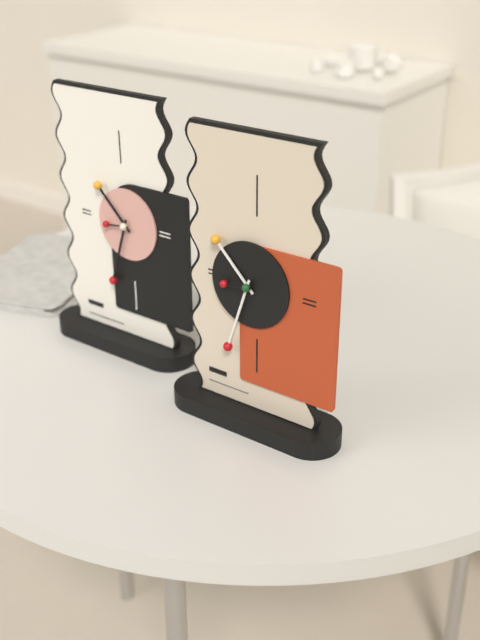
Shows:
10h33
